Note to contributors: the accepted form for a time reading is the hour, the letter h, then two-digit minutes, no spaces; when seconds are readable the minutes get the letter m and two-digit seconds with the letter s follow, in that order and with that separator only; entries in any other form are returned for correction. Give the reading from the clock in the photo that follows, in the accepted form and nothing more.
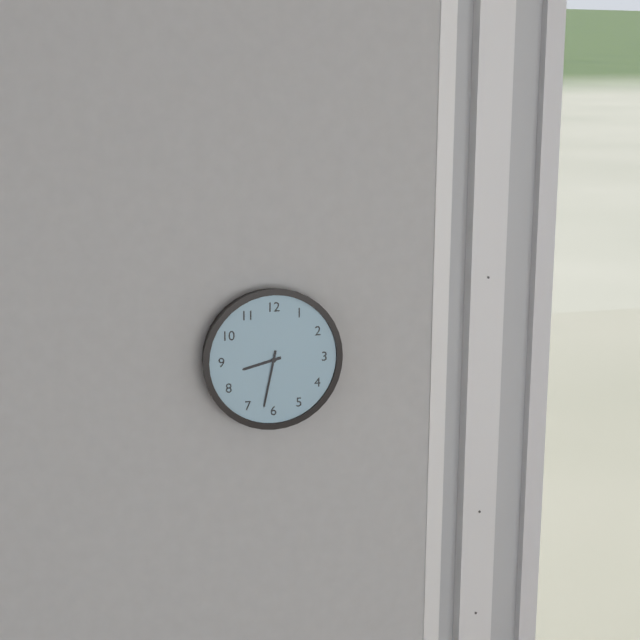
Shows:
8h32
